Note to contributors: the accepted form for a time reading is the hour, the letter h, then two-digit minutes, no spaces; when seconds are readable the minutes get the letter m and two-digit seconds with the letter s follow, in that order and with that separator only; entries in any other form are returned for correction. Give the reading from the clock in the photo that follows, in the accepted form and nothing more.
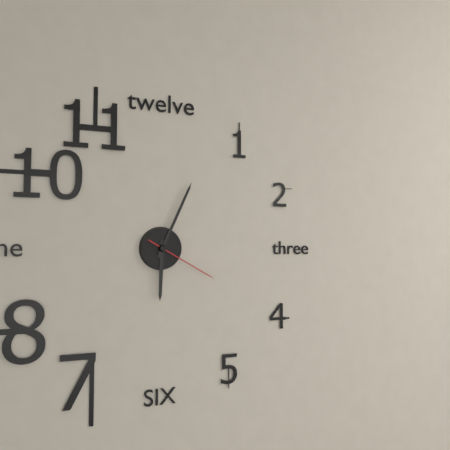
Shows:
6h04m20s
